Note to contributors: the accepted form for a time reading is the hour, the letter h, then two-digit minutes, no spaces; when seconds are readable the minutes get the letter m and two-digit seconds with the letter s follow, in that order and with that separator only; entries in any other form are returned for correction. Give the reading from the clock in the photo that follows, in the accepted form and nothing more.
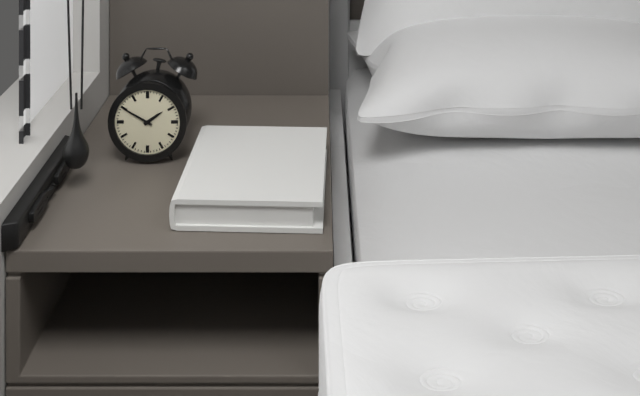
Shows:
1h50
